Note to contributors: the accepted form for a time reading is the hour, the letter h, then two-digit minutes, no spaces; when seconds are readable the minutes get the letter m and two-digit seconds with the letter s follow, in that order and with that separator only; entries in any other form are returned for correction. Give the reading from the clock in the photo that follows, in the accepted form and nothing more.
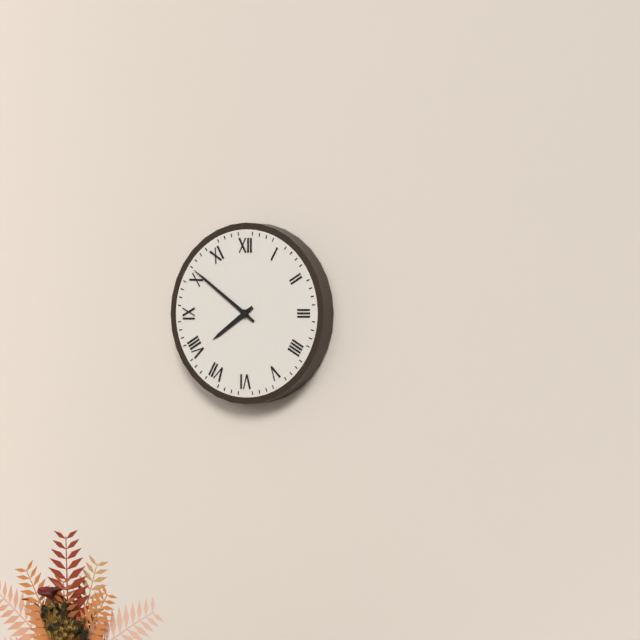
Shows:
7h51
